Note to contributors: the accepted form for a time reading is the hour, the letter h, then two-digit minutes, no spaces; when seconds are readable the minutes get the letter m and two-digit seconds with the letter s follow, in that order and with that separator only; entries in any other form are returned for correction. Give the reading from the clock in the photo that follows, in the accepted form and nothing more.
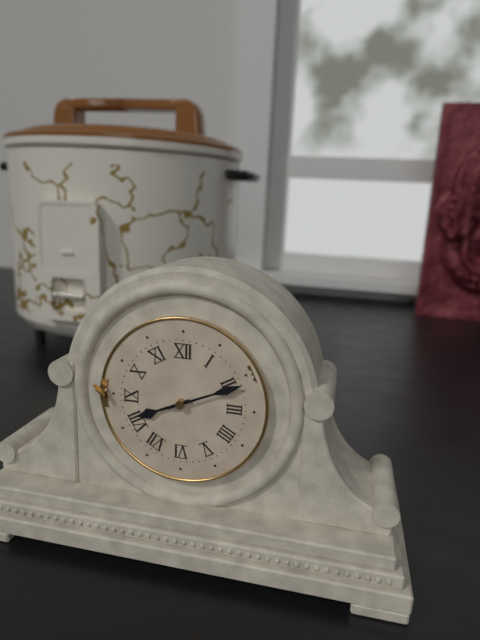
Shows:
8h11
